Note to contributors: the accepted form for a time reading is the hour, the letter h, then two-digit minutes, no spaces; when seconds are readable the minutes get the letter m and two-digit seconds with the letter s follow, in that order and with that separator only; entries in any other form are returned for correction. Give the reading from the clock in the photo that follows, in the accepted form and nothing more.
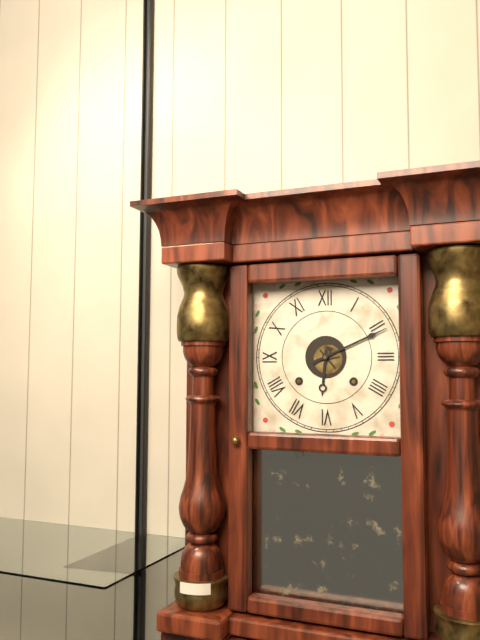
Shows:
6h11
